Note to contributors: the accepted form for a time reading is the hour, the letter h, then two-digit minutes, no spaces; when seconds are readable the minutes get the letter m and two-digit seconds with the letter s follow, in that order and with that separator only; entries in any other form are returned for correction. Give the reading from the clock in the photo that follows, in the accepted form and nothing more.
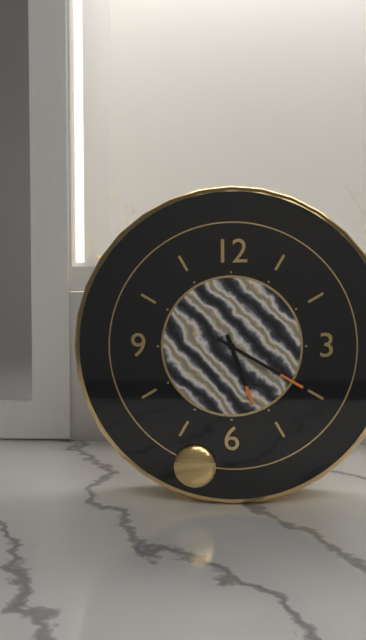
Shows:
5h20
